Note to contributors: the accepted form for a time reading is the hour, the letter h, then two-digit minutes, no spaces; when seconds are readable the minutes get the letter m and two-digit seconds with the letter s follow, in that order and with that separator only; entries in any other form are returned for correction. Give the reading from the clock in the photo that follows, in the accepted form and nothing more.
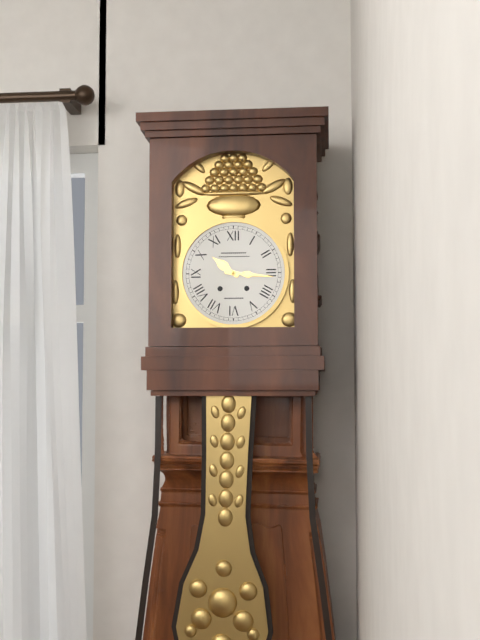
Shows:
10h16
